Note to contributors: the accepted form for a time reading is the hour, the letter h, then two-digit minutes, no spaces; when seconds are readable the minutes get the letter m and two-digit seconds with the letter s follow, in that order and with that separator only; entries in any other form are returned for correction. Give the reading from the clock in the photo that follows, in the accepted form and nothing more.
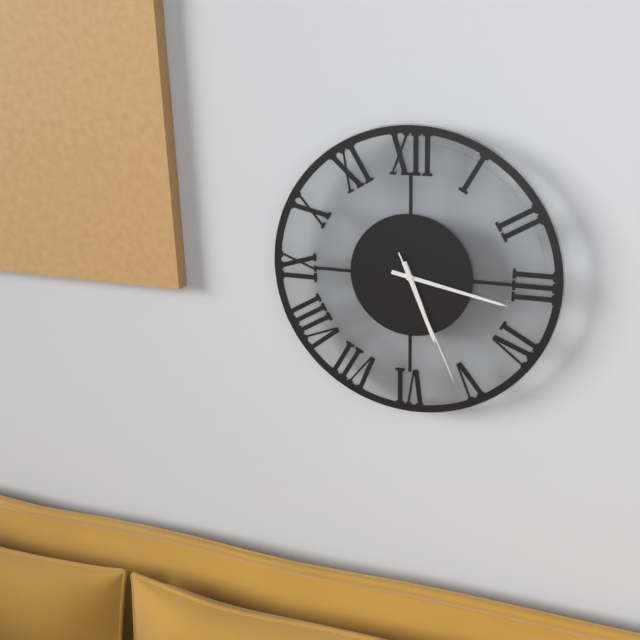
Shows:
5h17m26s
